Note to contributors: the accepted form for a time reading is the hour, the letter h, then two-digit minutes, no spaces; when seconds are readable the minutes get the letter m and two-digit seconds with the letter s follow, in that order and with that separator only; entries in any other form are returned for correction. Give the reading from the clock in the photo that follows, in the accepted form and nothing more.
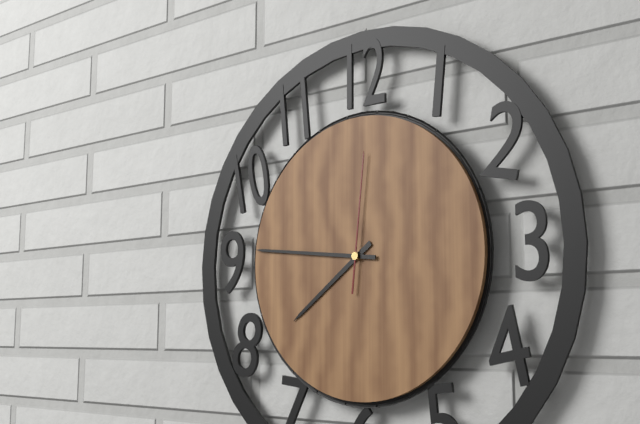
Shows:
7h46m01s
